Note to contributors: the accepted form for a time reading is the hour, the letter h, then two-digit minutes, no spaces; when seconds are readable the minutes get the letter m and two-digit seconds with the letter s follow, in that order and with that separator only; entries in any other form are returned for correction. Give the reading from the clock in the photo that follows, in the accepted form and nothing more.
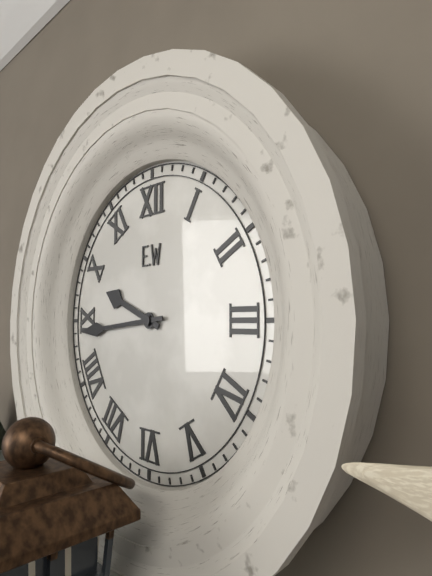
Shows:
9h44
